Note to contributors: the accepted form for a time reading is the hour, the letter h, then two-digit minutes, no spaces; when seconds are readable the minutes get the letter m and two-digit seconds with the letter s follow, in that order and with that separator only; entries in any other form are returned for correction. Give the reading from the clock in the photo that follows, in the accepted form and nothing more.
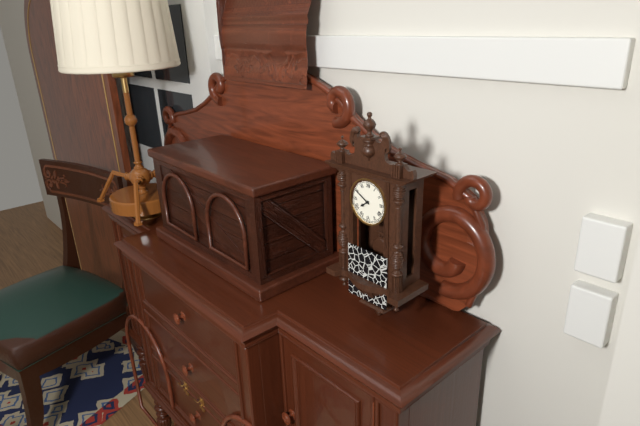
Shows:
7h50
